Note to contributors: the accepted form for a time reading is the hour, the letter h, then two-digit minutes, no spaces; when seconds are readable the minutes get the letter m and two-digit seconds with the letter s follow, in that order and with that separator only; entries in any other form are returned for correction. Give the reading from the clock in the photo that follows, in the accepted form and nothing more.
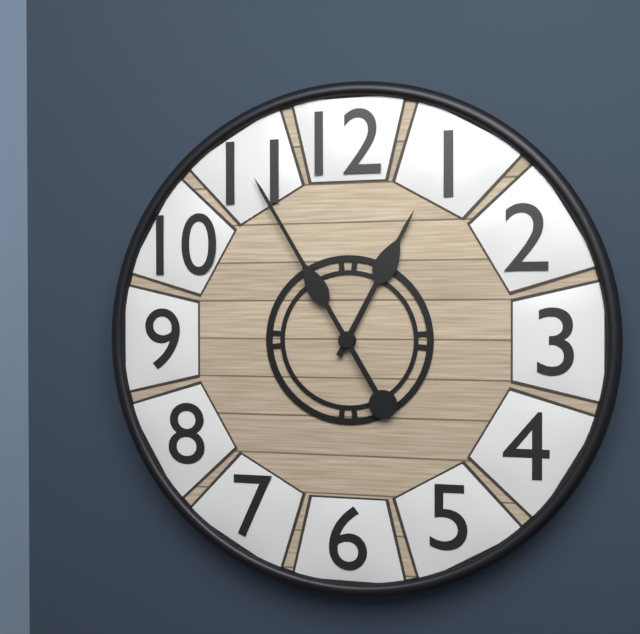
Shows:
12h55
